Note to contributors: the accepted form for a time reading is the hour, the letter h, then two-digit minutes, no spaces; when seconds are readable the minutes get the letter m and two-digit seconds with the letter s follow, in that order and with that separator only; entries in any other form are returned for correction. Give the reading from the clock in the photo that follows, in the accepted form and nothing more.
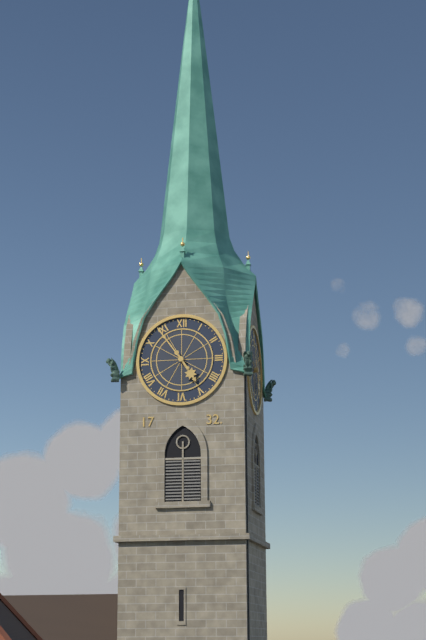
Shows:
4h54
